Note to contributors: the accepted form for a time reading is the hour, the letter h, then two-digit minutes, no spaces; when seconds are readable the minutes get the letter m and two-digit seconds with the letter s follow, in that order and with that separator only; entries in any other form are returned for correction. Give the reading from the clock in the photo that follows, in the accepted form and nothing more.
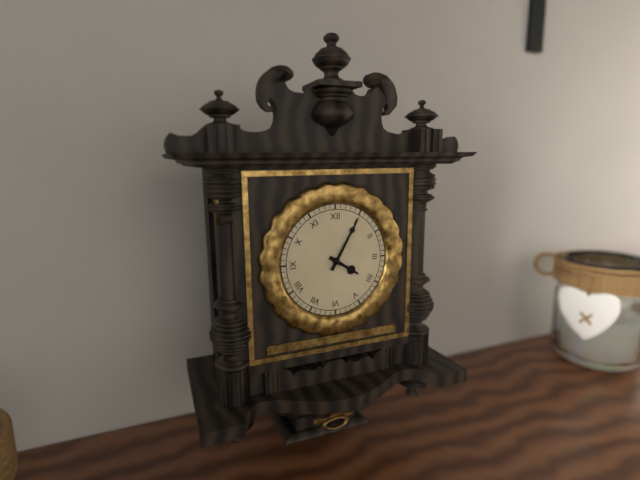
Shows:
4h05
